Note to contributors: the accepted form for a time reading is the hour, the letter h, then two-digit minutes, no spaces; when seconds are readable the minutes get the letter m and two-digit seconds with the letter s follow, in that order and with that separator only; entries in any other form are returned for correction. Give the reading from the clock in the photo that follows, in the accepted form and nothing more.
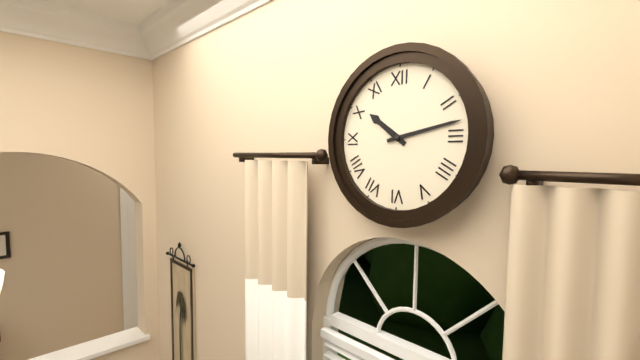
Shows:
10h13
